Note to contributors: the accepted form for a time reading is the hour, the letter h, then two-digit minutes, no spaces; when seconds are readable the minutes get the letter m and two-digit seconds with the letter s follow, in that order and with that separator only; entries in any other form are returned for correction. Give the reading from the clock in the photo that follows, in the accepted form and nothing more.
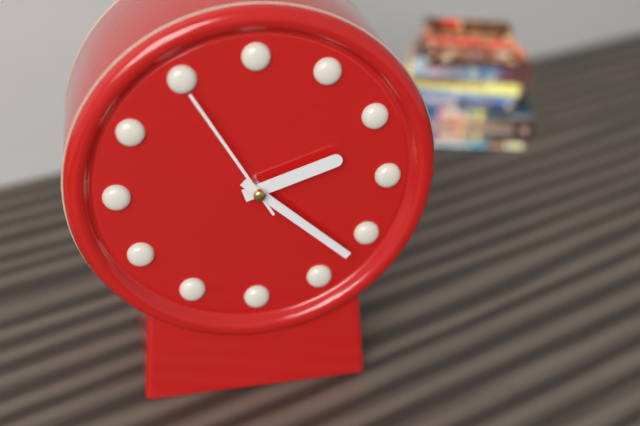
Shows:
2h22m55s
